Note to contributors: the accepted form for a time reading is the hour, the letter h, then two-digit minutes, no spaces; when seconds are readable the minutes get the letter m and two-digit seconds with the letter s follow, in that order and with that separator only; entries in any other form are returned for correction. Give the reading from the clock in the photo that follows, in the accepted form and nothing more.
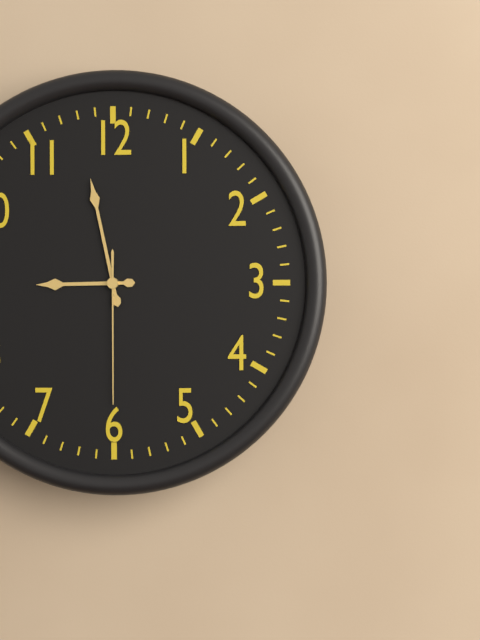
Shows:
8h58m30s
